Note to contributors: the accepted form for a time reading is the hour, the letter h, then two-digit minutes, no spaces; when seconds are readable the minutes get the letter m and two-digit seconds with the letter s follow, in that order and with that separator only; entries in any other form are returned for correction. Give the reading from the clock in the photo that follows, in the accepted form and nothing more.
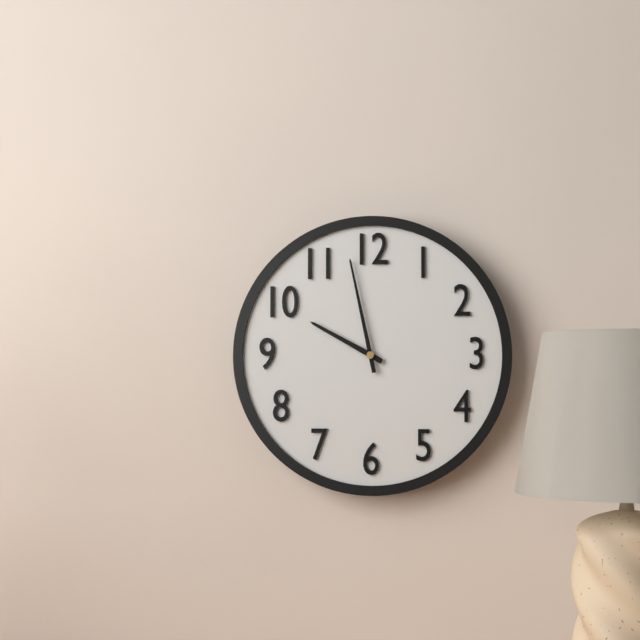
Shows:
9h58
